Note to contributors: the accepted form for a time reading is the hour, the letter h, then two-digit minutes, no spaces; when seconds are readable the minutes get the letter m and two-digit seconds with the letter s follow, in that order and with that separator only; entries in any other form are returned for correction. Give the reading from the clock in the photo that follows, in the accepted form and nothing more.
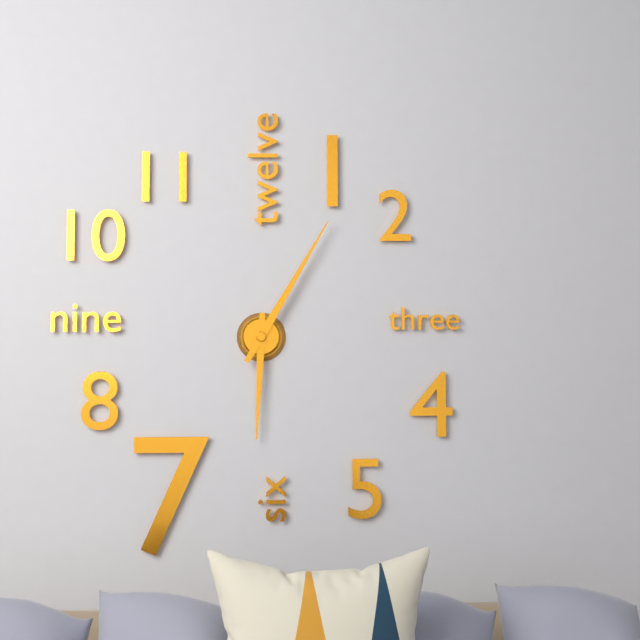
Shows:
6h05
